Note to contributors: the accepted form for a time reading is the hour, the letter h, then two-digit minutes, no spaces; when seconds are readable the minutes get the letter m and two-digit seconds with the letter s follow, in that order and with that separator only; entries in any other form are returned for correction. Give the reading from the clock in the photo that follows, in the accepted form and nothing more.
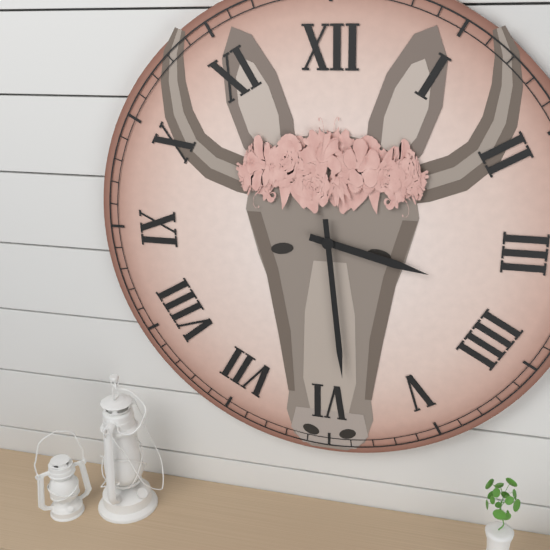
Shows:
3h29
